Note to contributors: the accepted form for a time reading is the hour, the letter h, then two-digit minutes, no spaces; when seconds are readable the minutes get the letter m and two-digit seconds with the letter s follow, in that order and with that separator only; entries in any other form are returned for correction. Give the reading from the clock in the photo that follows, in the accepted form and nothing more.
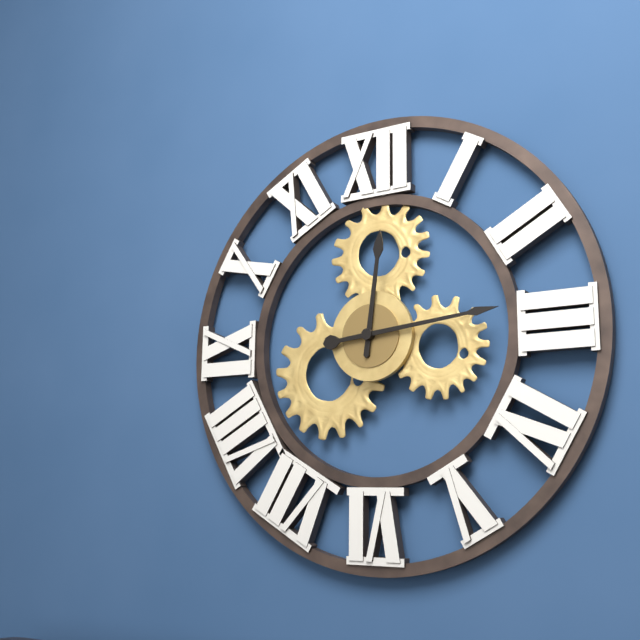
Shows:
12h14
